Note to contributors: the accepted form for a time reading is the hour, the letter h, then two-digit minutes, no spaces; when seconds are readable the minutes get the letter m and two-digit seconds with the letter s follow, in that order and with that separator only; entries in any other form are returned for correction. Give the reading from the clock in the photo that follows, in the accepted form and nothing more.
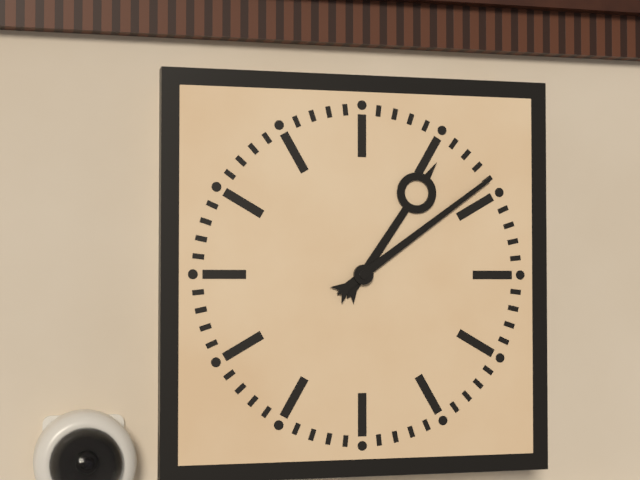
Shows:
1h09
